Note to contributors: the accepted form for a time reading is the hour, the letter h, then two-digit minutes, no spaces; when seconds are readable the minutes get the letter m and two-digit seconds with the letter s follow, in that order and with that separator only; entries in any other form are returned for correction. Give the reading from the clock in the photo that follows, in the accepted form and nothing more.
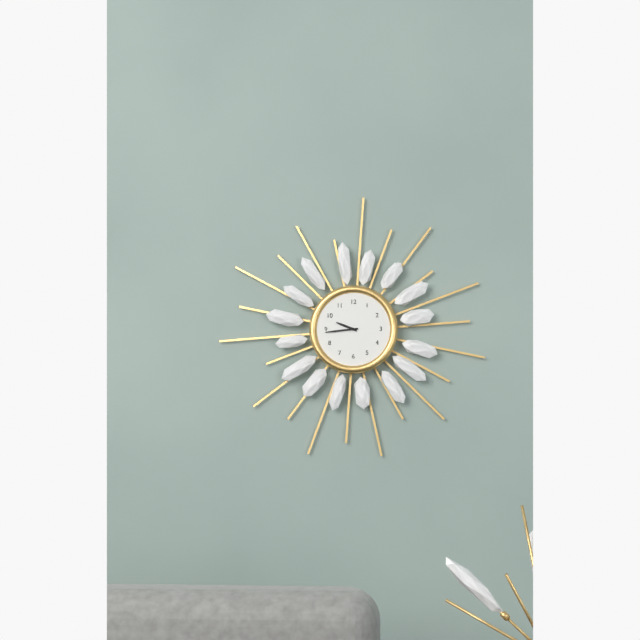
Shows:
9h44
